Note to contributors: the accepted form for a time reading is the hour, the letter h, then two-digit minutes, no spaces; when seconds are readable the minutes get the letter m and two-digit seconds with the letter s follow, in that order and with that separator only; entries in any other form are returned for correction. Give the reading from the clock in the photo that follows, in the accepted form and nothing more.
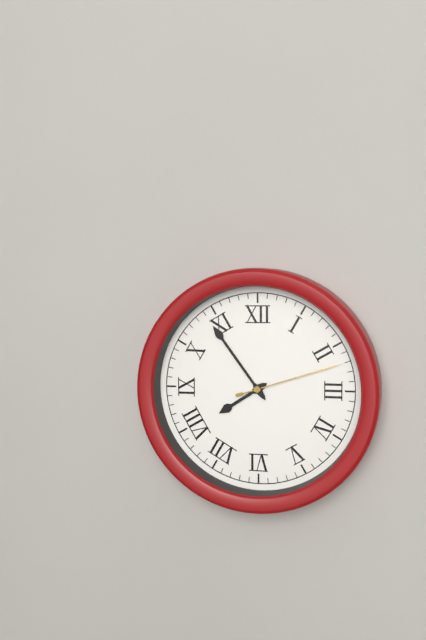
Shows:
7h54m12s
